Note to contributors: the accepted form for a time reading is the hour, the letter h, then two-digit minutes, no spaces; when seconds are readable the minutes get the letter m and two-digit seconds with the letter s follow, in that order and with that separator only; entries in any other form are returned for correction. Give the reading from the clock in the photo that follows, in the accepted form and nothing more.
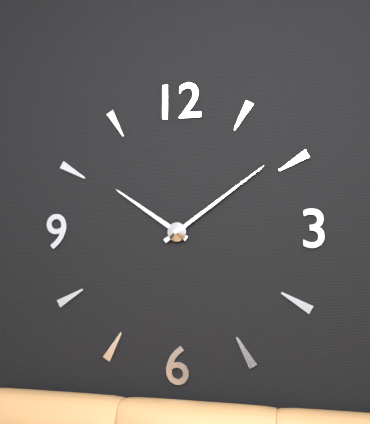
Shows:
10h09
